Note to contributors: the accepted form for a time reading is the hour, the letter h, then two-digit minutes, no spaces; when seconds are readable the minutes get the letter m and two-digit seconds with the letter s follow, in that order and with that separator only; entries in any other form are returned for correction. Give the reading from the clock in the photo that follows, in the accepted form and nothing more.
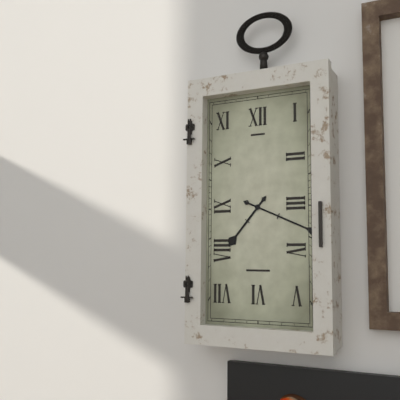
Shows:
7h19
